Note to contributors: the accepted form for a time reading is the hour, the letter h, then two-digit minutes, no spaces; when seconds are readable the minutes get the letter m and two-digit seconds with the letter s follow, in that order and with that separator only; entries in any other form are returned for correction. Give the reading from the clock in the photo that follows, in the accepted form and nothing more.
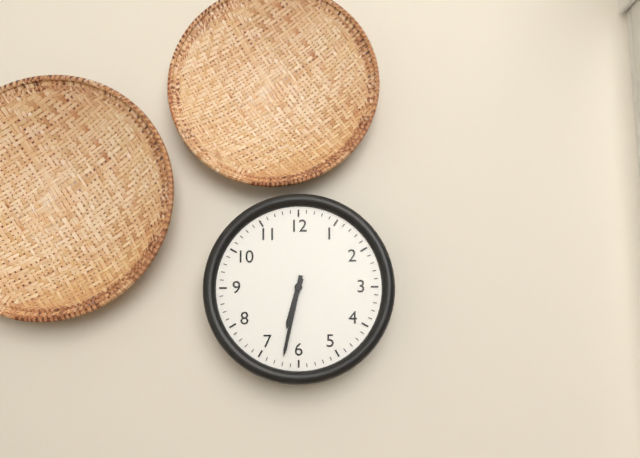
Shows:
6h32
